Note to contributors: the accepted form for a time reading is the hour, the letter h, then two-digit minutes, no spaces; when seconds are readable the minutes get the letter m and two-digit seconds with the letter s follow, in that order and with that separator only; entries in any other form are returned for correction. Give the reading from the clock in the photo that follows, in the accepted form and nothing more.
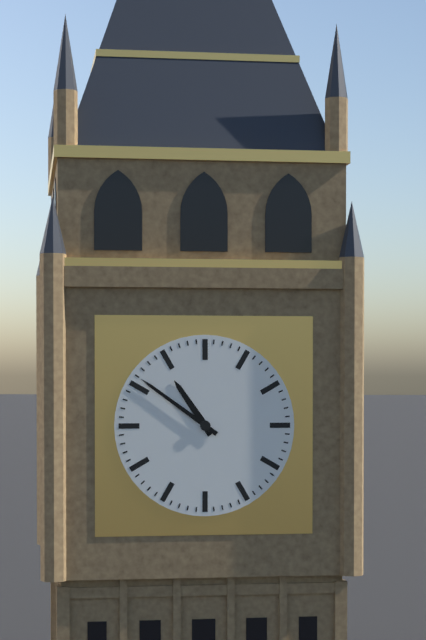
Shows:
10h51
